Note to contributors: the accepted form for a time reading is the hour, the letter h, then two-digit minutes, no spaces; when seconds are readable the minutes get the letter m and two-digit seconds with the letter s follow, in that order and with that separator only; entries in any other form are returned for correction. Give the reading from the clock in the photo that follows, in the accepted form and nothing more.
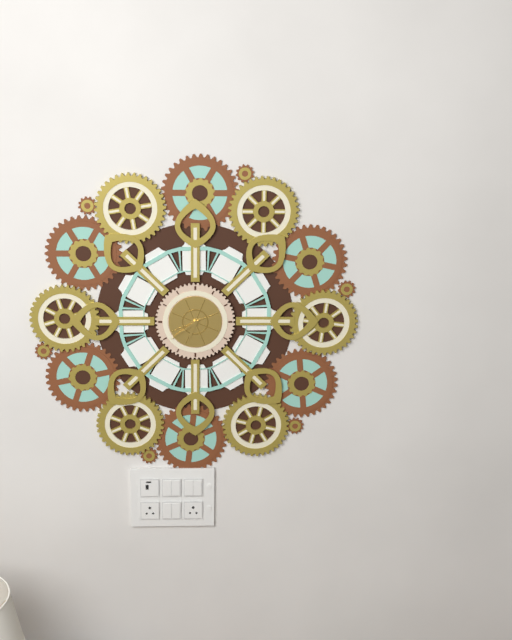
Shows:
6h39
